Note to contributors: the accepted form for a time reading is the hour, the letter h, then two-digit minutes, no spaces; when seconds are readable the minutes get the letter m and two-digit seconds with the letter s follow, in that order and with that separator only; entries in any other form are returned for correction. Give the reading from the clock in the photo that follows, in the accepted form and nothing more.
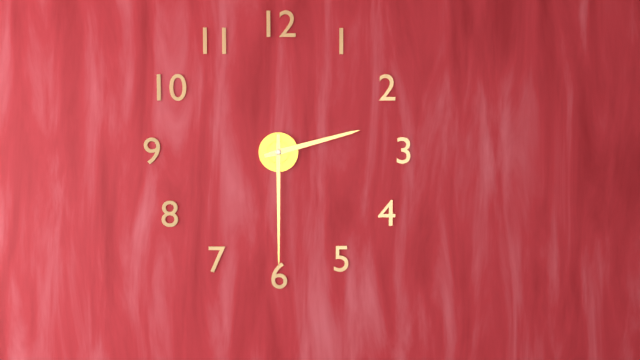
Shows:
2h30
